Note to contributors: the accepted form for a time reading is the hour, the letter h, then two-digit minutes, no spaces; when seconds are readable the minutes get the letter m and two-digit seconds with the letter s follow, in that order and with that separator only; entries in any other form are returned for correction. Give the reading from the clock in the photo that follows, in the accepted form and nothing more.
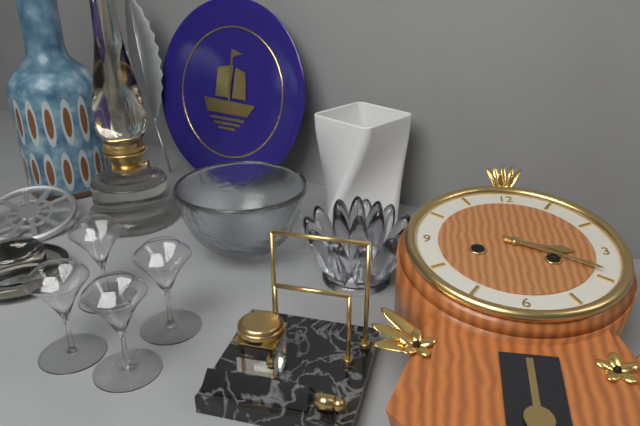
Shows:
3h19
